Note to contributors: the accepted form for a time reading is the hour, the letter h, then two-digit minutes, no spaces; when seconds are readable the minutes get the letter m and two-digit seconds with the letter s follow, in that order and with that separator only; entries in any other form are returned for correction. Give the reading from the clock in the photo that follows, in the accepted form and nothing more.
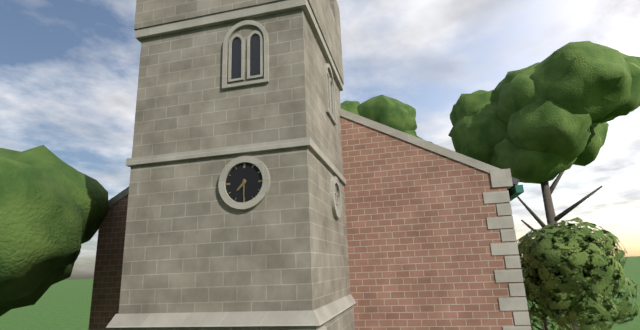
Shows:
7h30
